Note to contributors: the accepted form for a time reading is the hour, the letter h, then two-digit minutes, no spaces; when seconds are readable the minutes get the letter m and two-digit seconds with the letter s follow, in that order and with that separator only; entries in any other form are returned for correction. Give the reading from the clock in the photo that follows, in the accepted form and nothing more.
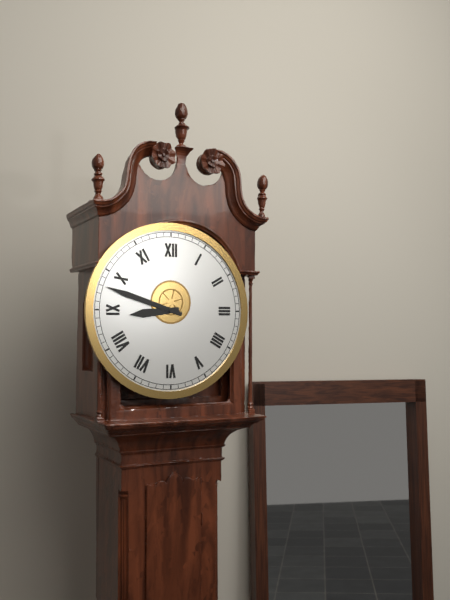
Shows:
8h48
